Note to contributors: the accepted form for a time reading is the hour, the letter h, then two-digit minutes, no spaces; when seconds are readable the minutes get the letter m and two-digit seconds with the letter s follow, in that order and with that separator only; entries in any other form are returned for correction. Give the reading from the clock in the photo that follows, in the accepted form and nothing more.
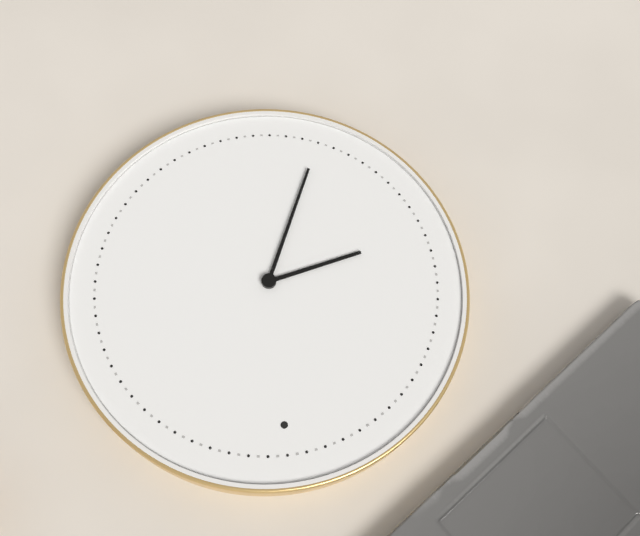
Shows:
8h34
